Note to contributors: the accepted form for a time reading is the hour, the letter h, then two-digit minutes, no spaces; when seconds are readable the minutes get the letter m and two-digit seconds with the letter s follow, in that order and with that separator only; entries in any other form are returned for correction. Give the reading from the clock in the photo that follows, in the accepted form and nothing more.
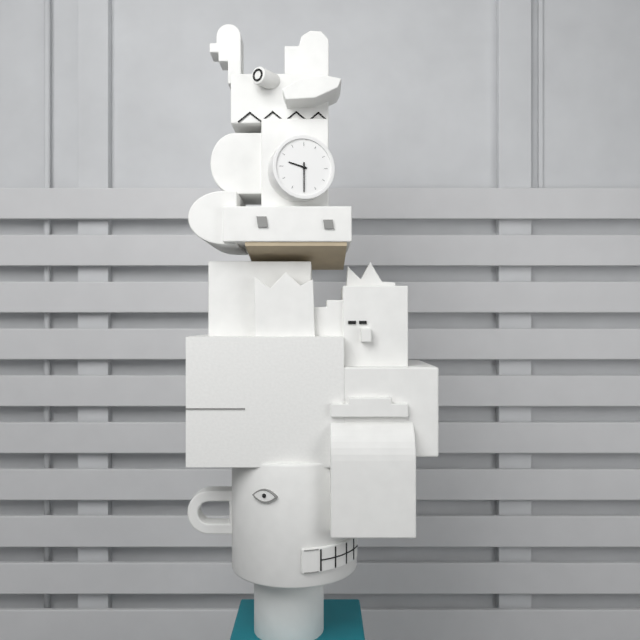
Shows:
9h30
